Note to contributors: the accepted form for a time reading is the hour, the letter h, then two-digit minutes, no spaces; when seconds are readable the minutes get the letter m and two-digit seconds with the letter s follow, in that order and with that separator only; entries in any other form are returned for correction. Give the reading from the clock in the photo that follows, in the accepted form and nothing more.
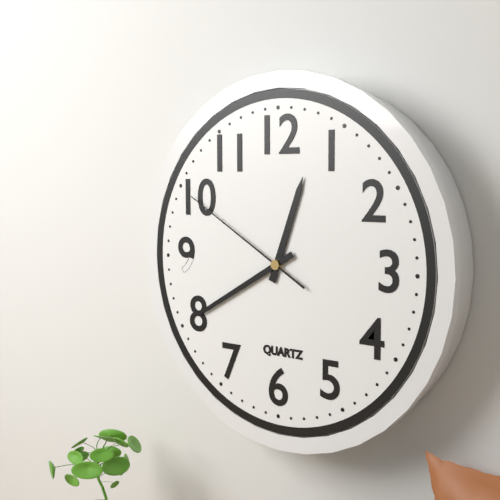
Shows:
12h40m50s
